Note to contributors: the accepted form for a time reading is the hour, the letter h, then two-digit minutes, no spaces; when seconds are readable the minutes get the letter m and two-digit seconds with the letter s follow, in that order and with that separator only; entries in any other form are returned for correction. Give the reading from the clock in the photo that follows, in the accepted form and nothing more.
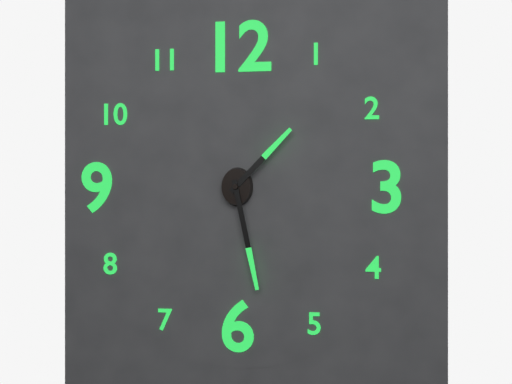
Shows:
1h28
